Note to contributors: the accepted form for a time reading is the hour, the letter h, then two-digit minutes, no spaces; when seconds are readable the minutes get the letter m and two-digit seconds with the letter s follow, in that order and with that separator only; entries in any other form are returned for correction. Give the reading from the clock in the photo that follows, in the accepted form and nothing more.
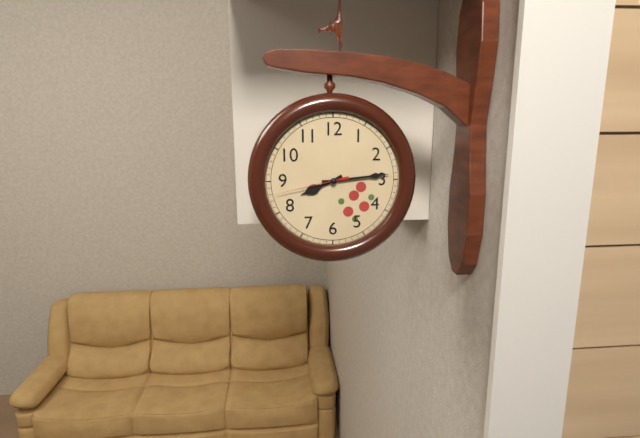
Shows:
8h14m43s
